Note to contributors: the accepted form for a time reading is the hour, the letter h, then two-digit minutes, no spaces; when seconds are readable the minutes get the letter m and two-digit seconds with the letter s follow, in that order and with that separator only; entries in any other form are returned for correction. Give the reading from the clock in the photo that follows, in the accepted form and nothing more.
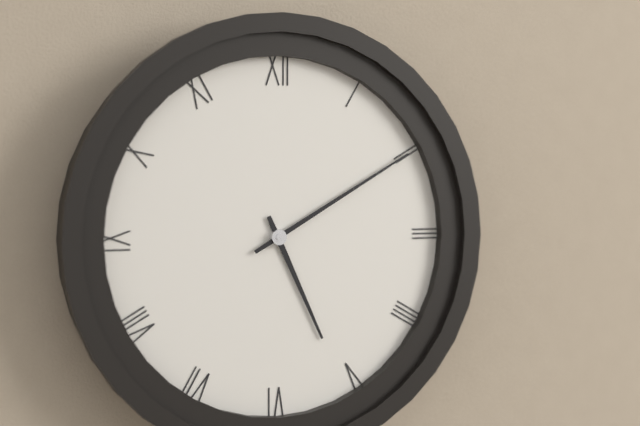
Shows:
5h10
